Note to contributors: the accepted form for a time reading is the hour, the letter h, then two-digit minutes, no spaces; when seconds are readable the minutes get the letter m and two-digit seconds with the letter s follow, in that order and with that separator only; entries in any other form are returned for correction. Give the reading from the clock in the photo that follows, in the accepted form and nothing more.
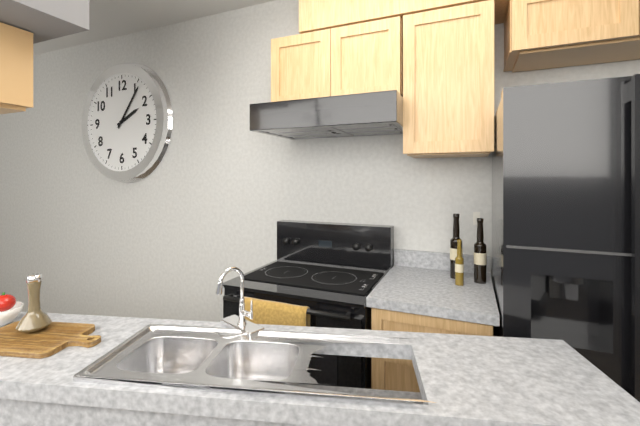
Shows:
2h06
